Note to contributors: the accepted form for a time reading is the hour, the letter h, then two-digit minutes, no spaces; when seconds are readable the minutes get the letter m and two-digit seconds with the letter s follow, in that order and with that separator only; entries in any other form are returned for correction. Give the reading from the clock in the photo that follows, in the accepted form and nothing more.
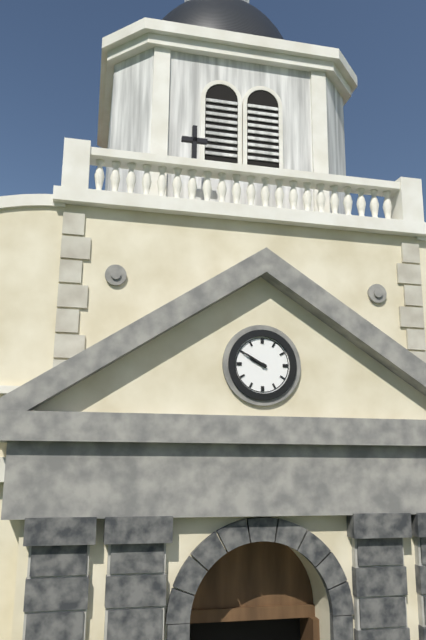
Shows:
9h50
